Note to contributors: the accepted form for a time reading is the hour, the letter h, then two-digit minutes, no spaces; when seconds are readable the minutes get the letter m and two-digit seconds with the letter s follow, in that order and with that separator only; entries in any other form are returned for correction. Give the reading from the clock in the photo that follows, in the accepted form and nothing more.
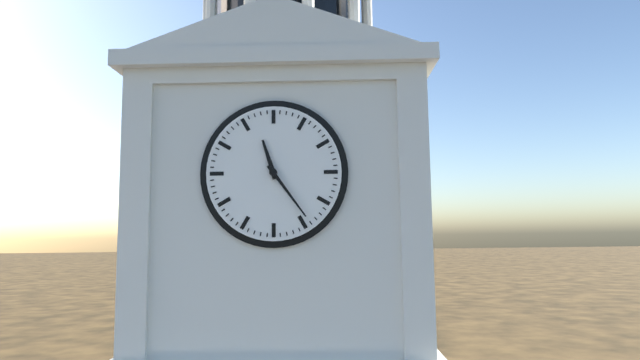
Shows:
11h24
